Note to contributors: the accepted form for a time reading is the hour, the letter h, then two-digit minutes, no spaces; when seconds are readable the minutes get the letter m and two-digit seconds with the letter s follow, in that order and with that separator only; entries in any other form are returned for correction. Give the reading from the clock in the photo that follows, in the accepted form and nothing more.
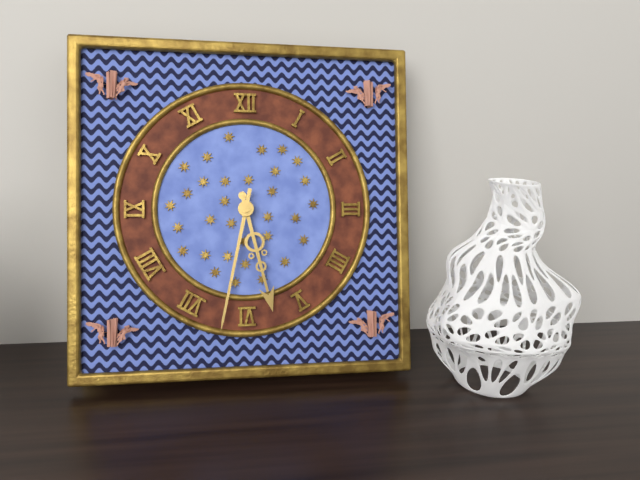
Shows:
5h32
